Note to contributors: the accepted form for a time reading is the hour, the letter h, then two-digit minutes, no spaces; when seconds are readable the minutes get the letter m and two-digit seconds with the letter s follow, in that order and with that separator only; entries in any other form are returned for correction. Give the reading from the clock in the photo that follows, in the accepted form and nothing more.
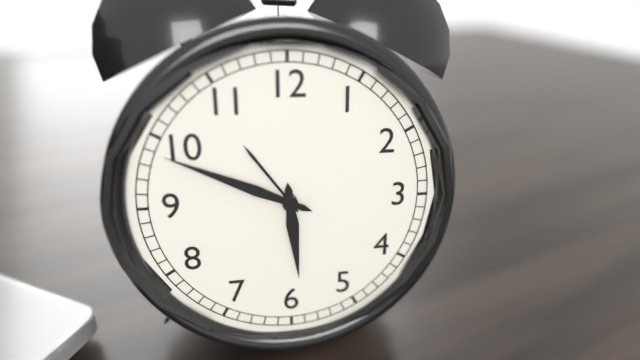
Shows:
5h49
